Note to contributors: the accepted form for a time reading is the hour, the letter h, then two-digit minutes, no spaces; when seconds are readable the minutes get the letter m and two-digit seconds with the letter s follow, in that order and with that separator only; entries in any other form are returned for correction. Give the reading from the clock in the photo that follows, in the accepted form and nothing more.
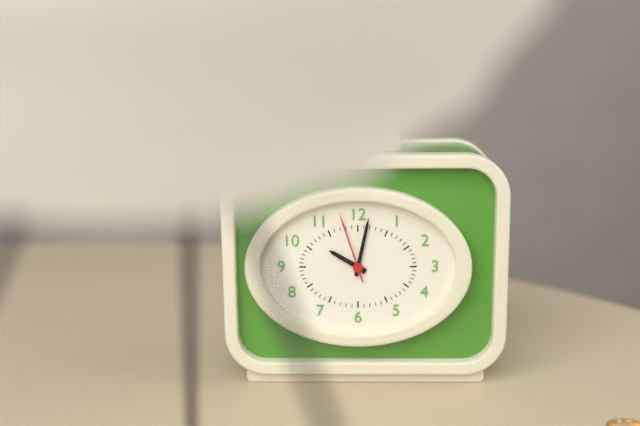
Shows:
10h02m57s
